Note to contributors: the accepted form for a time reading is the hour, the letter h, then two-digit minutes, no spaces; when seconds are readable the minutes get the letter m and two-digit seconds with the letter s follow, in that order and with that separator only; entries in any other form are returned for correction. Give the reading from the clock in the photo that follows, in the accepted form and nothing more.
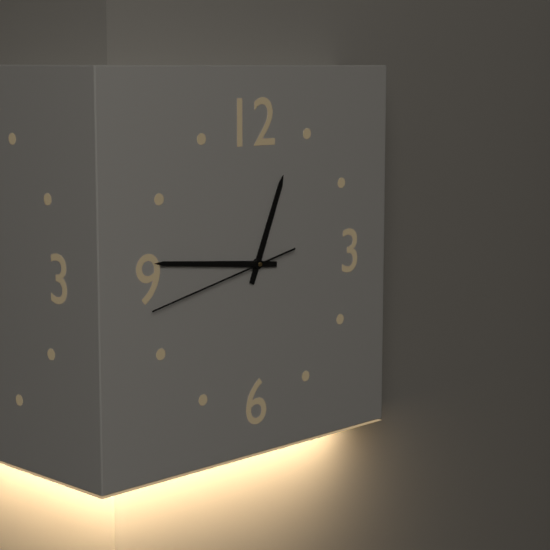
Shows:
12h46m43s
